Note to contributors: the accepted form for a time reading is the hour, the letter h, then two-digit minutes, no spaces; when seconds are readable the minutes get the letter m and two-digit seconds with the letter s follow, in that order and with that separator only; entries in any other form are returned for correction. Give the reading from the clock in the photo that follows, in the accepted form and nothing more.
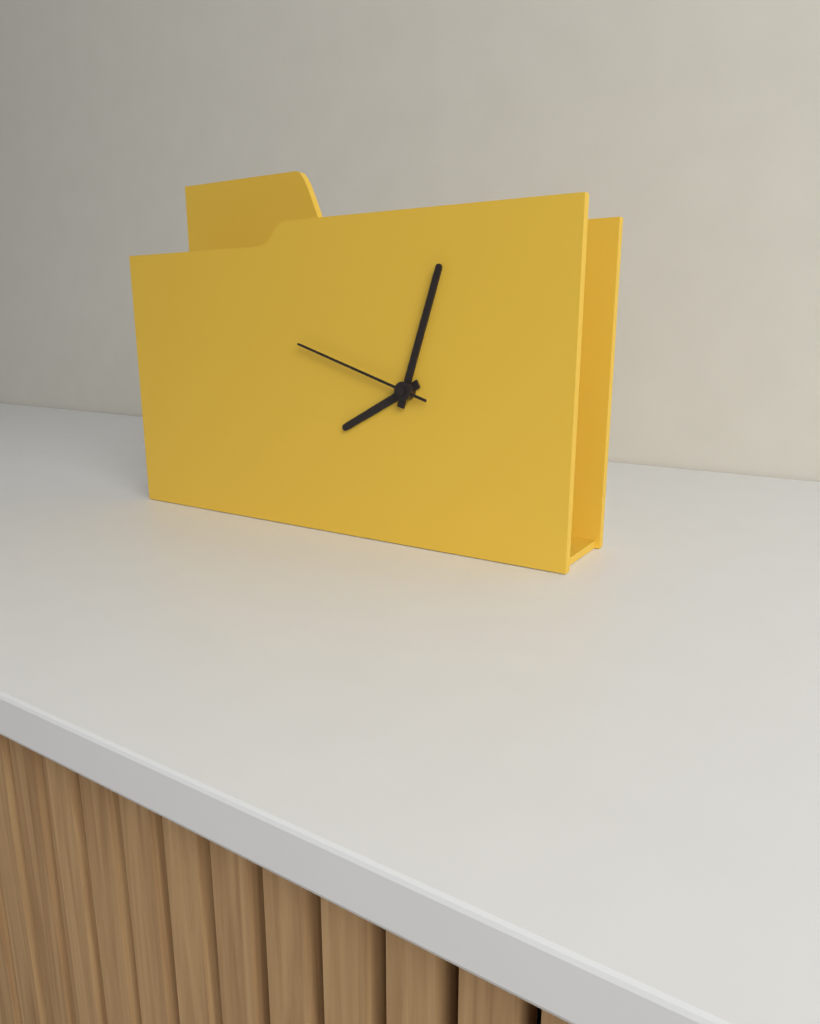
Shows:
8h03m48s
